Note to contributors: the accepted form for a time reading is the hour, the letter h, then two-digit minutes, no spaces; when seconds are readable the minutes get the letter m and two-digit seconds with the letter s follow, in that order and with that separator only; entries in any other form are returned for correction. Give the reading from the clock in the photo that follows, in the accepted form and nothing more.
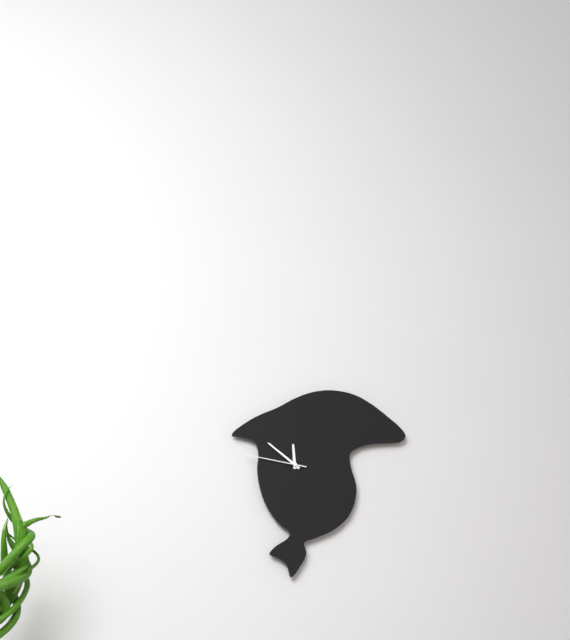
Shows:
11h51m46s
